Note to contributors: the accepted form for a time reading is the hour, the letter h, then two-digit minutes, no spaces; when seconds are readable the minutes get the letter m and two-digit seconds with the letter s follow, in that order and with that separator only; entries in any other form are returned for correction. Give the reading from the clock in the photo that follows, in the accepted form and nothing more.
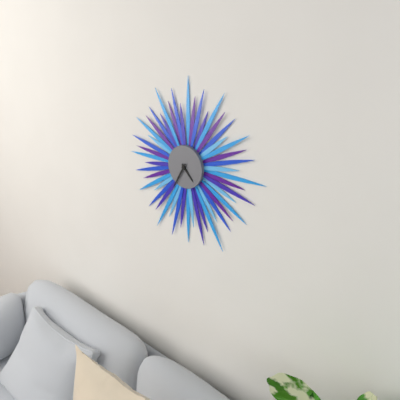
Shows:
4h35
